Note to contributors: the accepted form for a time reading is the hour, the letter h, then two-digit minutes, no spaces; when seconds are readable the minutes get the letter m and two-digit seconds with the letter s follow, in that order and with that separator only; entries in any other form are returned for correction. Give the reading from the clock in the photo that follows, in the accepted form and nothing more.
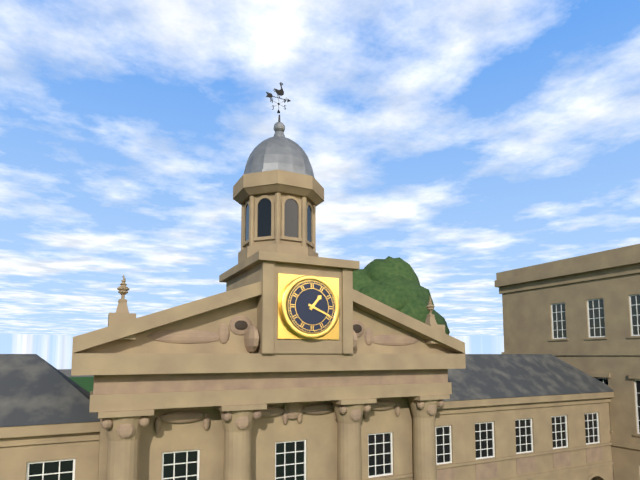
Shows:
1h19
